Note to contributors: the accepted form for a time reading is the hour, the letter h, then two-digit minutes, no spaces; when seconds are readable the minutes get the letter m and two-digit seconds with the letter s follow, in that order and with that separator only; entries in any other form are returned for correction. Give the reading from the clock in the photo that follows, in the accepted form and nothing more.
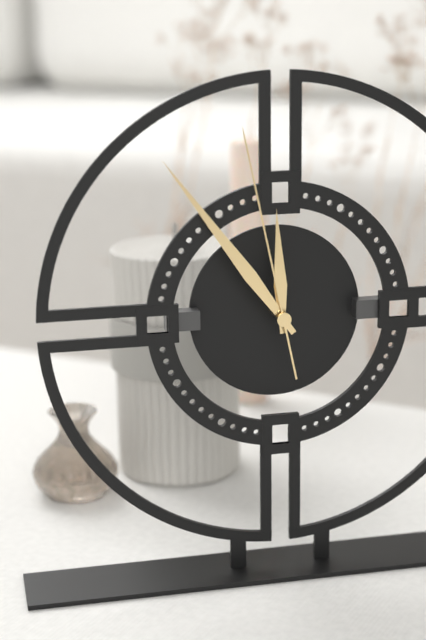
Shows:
11h54m58s
